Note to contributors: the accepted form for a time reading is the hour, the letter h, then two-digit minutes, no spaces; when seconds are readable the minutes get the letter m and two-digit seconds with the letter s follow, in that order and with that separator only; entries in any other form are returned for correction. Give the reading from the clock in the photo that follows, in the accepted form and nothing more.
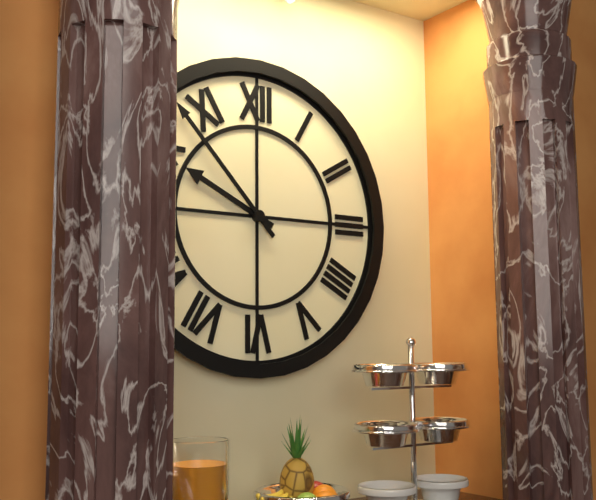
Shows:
9h53
